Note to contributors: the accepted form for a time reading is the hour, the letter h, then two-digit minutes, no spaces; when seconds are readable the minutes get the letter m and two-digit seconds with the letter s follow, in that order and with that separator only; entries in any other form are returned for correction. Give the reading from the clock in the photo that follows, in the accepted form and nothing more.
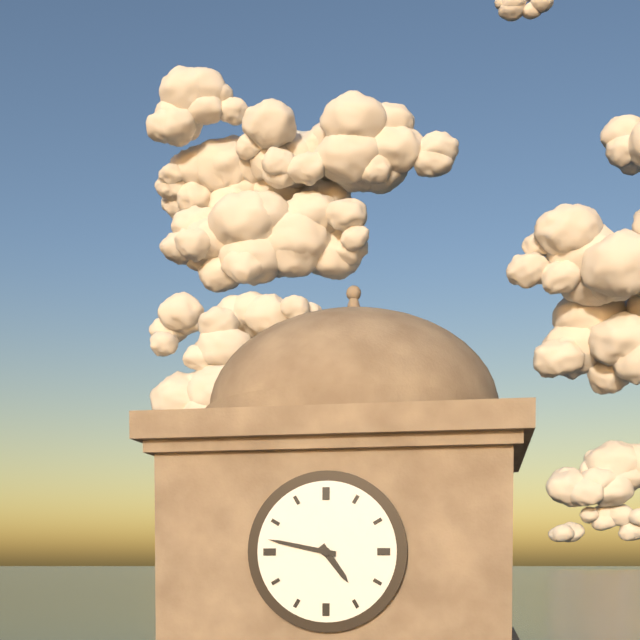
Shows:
4h47
